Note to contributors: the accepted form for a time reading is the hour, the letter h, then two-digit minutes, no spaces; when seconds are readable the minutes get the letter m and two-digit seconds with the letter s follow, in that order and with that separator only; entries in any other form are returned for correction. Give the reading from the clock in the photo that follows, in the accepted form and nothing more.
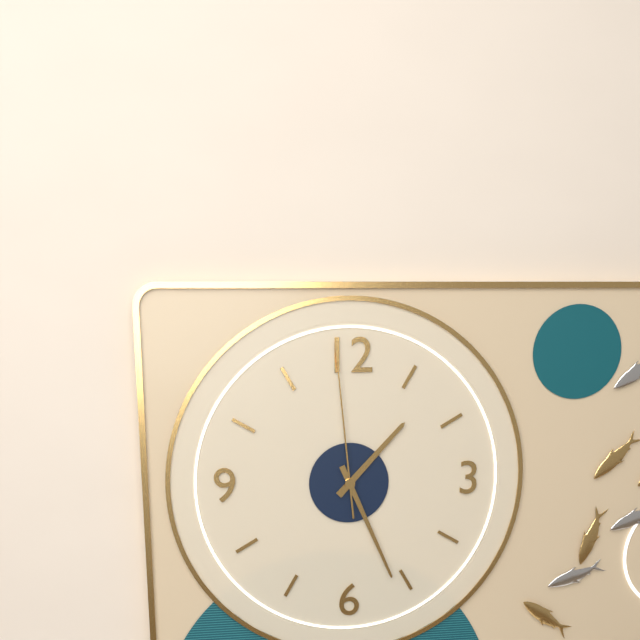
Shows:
1h26m59s
